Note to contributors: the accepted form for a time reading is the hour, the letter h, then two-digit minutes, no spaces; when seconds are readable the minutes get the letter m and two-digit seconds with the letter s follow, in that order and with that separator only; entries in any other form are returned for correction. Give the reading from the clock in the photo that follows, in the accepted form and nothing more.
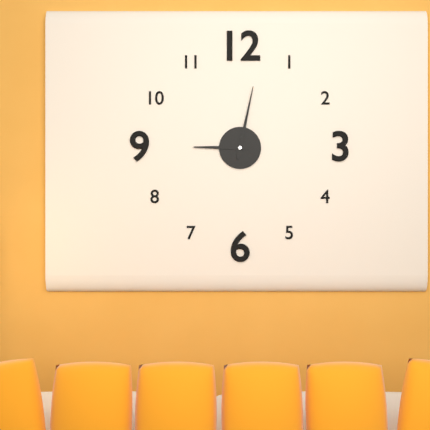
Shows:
9h02
